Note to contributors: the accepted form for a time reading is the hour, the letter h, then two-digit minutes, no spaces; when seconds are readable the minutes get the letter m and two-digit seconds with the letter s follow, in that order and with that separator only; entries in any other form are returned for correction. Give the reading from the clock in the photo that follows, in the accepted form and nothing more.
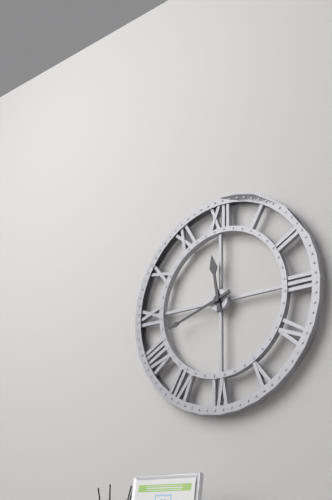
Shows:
11h42
